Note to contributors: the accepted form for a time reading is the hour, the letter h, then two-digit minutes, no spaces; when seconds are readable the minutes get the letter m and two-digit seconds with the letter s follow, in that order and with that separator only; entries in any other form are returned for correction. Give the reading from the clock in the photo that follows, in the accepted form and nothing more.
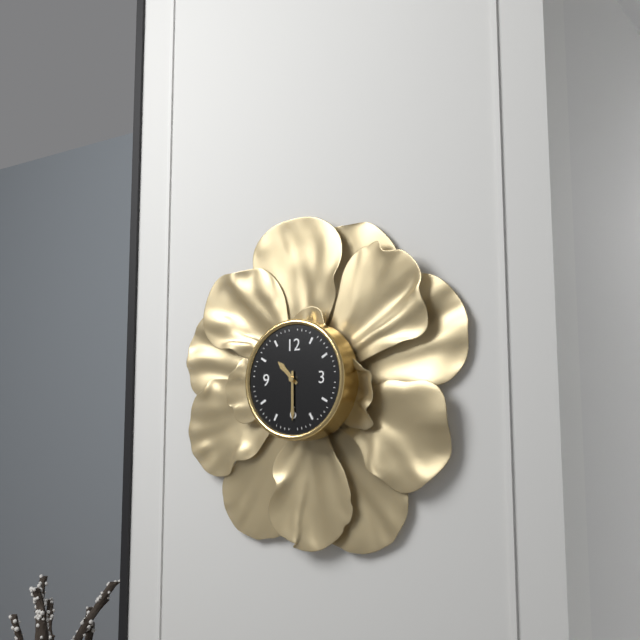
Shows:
10h30
